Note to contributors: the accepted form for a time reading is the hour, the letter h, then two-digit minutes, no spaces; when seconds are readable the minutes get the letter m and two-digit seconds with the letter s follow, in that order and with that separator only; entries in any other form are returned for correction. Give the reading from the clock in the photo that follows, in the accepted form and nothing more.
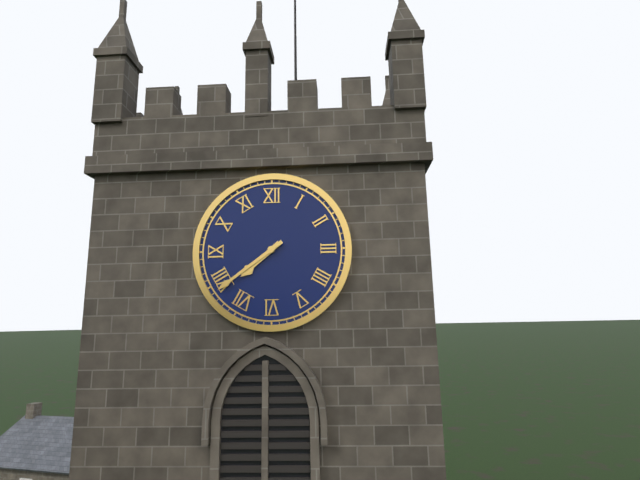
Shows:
7h39
